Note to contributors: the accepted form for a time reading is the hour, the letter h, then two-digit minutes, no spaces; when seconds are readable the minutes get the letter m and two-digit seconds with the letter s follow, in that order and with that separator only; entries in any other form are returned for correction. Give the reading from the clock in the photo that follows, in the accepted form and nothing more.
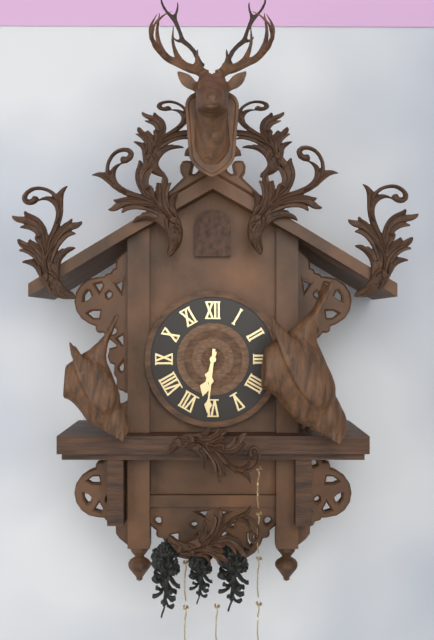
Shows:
6h31
